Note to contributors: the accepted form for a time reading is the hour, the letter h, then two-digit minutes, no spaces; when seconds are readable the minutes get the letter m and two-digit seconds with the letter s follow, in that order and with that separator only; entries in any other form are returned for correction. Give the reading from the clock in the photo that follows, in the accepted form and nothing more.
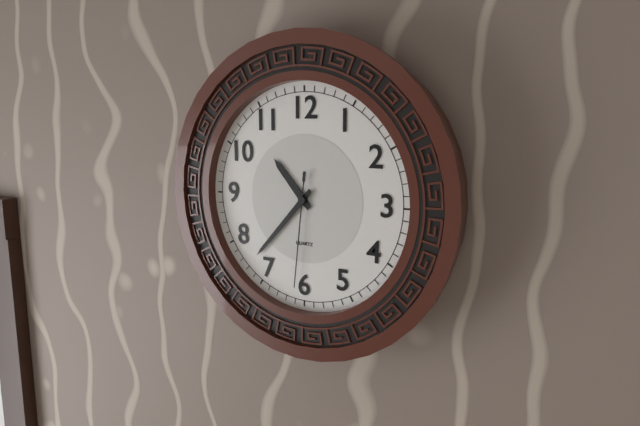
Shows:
10h37m31s
